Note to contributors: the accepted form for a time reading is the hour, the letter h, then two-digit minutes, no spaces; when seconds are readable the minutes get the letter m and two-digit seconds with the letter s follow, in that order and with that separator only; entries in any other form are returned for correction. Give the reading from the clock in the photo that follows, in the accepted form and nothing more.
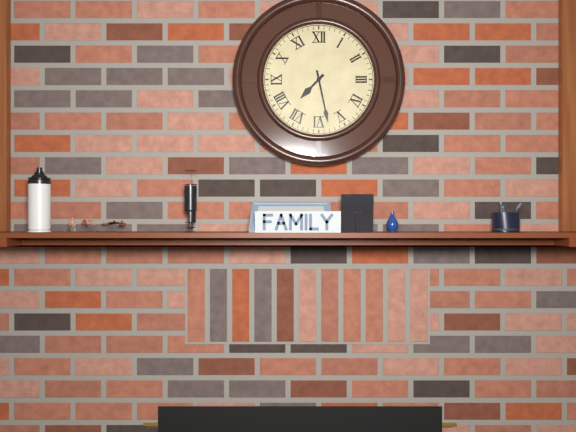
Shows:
7h28
